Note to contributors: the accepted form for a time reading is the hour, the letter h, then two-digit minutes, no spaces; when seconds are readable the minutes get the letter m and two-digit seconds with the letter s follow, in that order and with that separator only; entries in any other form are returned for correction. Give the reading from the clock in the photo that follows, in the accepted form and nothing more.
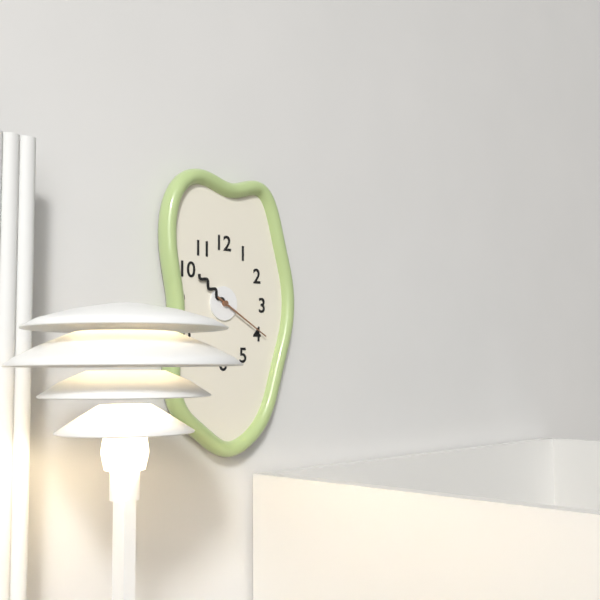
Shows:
10h20
